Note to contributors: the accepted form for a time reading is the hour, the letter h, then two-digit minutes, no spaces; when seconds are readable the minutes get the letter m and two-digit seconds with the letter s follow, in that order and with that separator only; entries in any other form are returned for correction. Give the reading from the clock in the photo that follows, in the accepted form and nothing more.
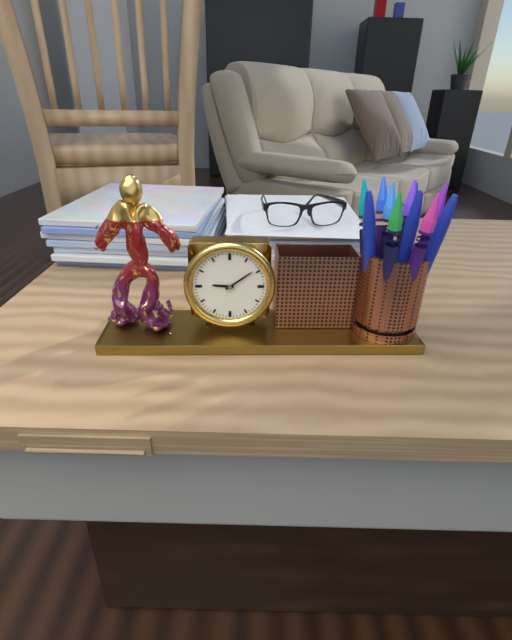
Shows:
9h09
